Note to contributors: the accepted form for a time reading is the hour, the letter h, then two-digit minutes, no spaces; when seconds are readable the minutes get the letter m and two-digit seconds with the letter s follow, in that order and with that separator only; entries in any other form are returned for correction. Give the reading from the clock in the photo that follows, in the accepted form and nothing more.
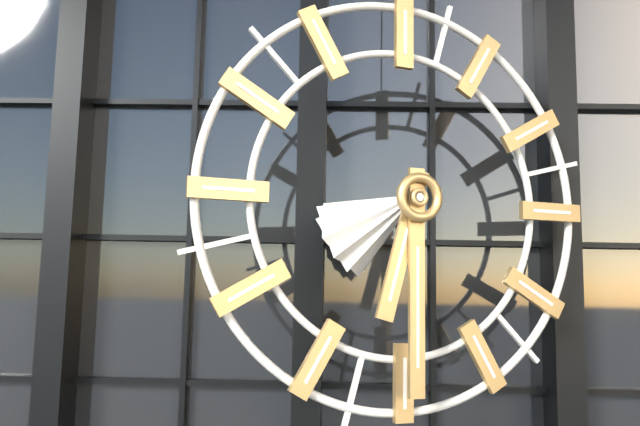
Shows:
6h30
